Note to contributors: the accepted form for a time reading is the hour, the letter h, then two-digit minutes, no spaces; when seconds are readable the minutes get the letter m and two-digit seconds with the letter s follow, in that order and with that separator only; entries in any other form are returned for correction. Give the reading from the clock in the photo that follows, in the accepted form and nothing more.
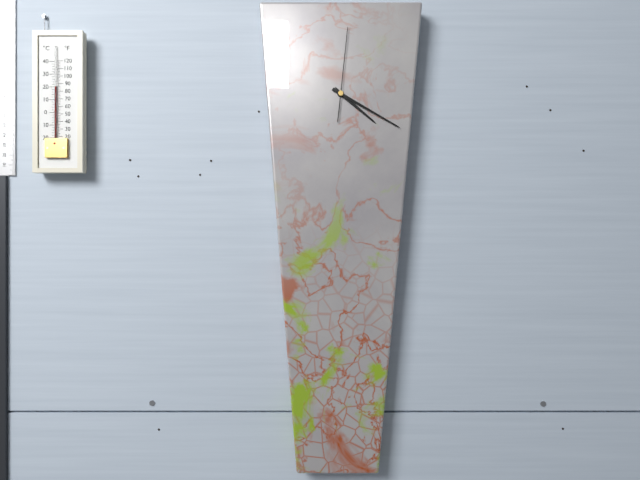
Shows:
4h20m01s
